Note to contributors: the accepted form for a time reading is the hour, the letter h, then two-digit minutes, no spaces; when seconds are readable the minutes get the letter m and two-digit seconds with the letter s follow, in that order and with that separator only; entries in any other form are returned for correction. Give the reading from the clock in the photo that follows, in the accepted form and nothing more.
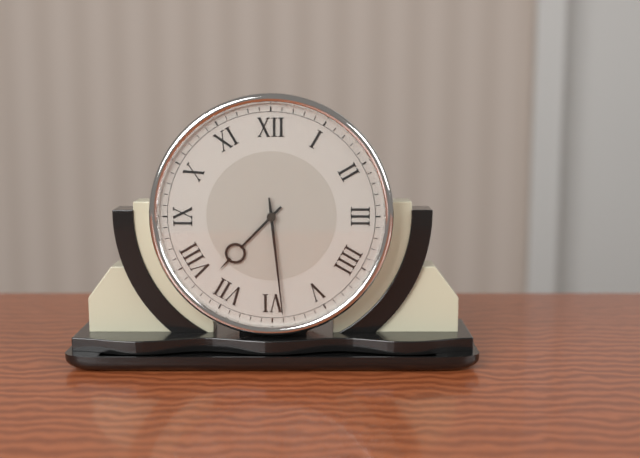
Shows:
7h29
